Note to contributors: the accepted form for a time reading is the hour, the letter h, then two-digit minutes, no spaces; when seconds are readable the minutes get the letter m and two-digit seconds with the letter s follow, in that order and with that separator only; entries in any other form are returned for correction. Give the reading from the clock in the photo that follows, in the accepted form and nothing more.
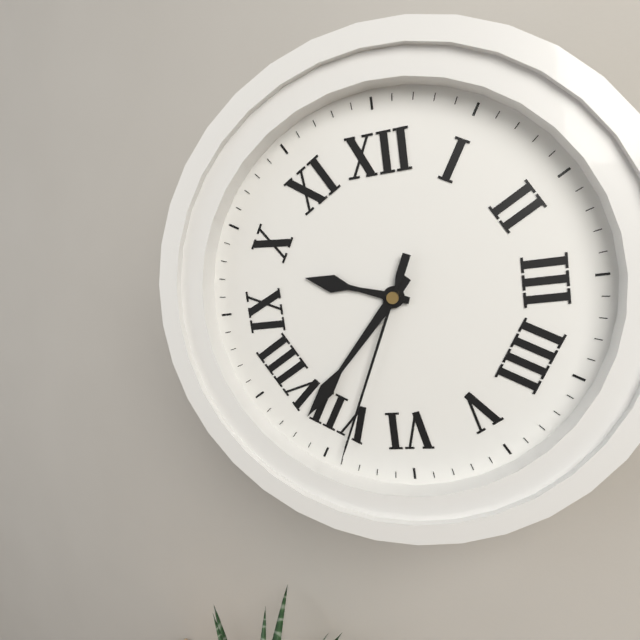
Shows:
9h37m34s
